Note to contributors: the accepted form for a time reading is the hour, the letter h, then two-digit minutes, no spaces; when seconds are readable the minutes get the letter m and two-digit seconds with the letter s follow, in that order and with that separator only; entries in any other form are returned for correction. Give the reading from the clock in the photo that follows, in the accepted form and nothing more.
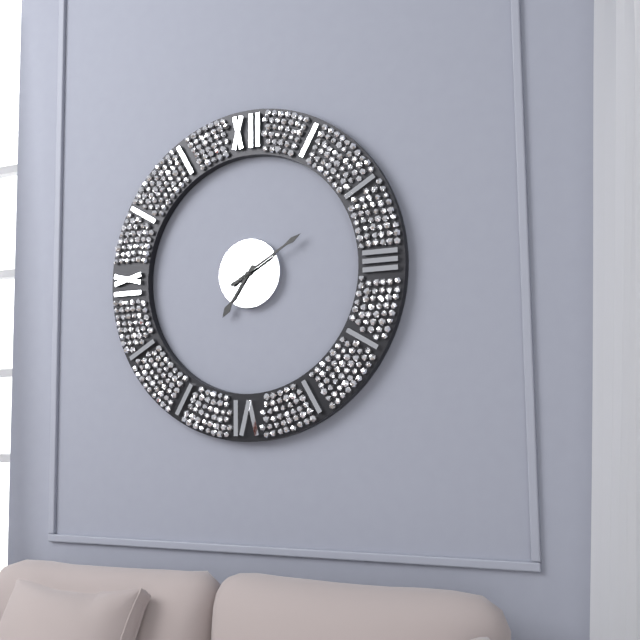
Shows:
7h10
